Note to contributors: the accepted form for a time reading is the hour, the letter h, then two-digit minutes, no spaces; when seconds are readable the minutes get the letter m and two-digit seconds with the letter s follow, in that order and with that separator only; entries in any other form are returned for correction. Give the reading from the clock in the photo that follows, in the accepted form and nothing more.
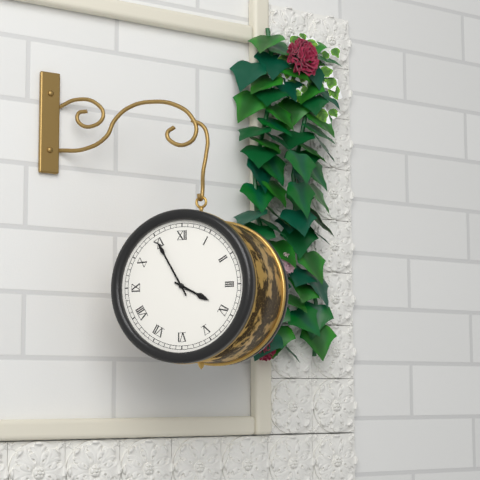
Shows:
3h55
